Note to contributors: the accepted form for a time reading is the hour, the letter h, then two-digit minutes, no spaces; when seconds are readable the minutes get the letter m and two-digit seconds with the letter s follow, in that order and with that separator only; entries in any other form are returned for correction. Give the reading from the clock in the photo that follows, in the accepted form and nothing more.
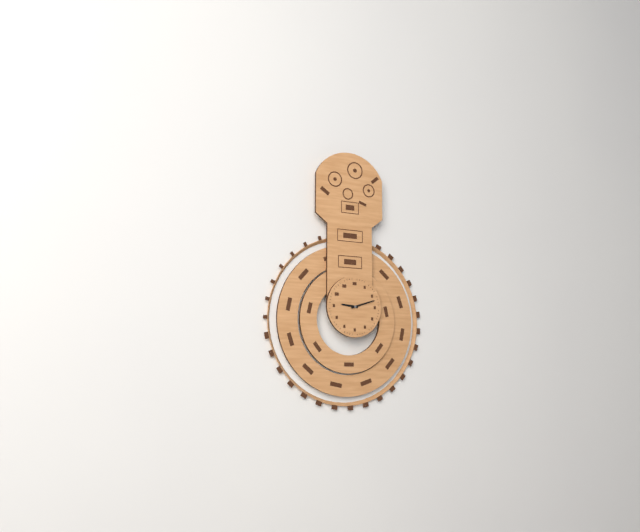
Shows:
9h12
